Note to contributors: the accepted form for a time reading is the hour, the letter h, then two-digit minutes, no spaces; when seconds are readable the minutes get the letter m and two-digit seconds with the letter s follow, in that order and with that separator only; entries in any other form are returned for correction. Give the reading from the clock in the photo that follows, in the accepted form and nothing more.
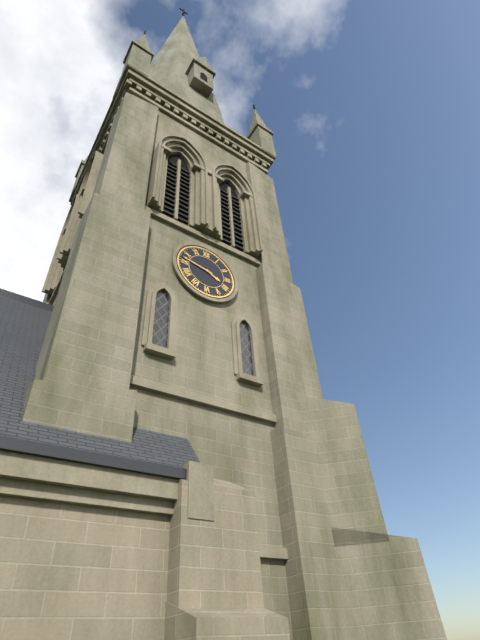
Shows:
3h47
